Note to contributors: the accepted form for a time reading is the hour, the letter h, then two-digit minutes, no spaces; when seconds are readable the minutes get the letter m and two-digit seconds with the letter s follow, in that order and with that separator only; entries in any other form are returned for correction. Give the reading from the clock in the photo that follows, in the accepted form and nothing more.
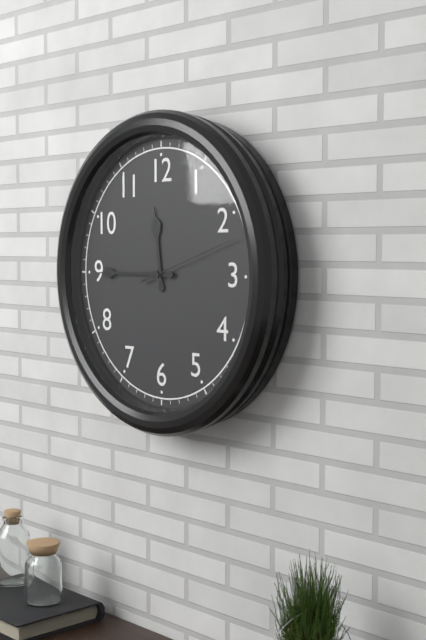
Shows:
11h45m12s
